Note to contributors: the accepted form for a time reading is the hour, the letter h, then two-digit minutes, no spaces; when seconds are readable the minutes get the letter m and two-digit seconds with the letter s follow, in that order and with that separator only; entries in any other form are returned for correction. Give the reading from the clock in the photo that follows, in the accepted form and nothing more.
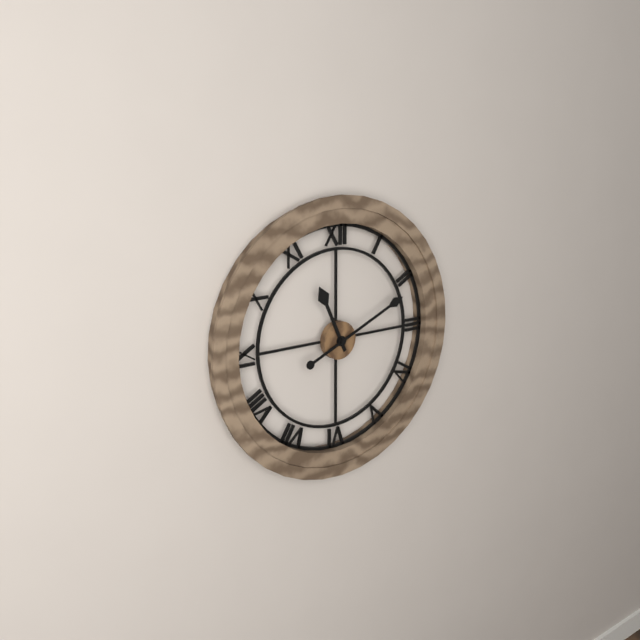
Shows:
11h11
